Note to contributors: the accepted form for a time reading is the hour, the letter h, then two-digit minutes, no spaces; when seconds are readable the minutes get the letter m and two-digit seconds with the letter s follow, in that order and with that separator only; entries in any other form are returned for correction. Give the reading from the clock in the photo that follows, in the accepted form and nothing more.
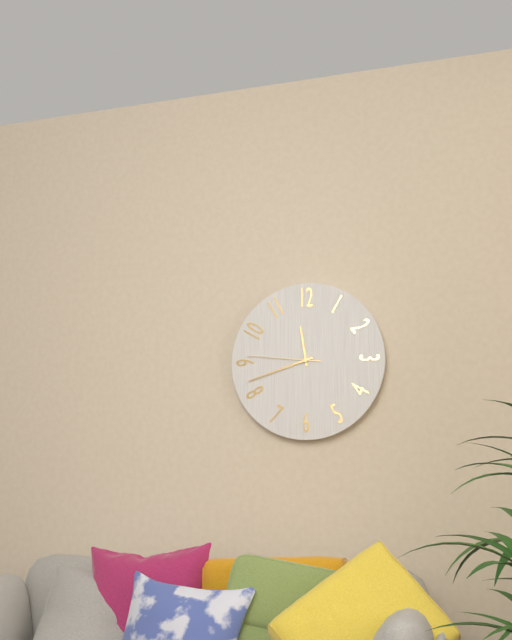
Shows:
11h42m46s
